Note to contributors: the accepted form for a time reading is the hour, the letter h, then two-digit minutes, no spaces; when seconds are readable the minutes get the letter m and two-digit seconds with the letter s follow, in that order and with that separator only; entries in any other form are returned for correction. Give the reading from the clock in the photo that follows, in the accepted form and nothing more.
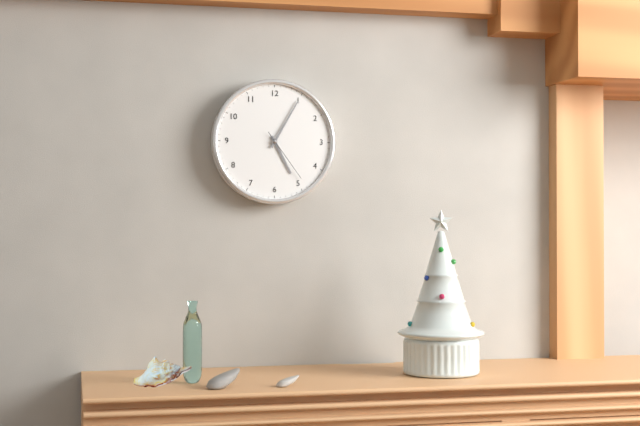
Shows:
5h05m24s
